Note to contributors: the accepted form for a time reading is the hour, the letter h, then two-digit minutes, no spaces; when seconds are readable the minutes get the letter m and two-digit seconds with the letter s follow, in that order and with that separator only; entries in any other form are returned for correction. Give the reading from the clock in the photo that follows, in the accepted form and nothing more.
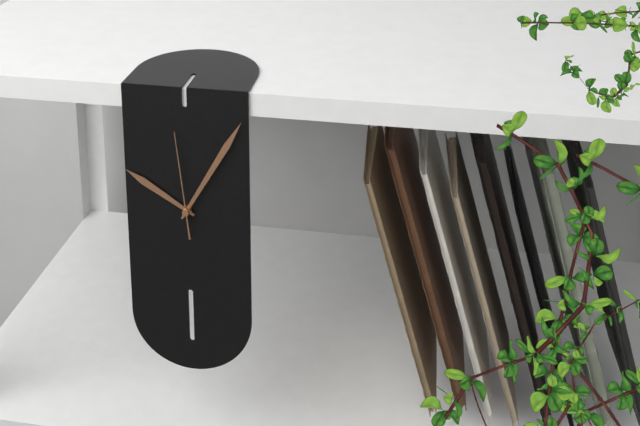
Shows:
10h05m59s
